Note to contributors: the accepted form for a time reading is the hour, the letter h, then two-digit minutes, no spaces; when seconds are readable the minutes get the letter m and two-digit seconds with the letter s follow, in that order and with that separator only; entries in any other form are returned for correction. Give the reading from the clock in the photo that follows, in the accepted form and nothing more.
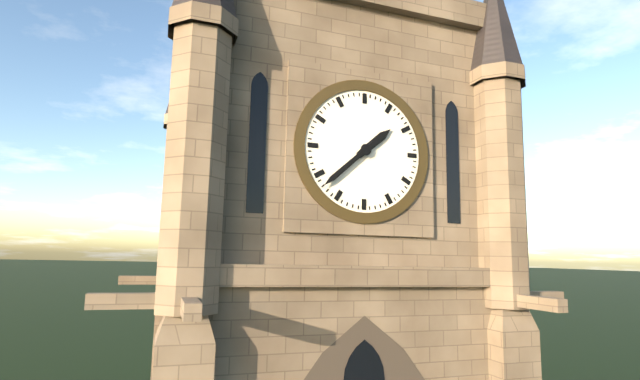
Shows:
1h38
